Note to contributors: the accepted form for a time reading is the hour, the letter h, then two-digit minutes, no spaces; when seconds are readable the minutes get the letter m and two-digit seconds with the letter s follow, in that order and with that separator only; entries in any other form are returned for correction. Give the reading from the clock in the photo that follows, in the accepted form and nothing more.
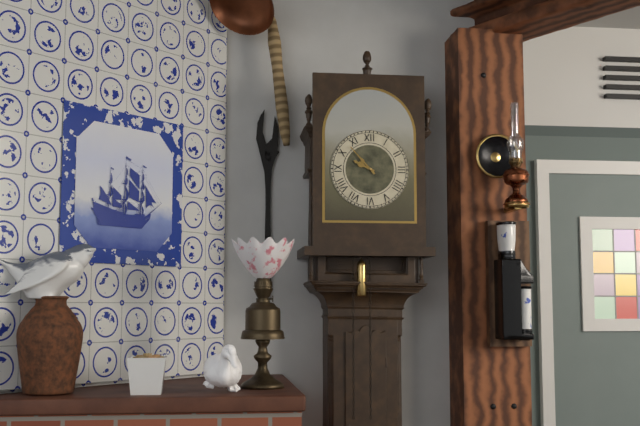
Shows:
9h53
